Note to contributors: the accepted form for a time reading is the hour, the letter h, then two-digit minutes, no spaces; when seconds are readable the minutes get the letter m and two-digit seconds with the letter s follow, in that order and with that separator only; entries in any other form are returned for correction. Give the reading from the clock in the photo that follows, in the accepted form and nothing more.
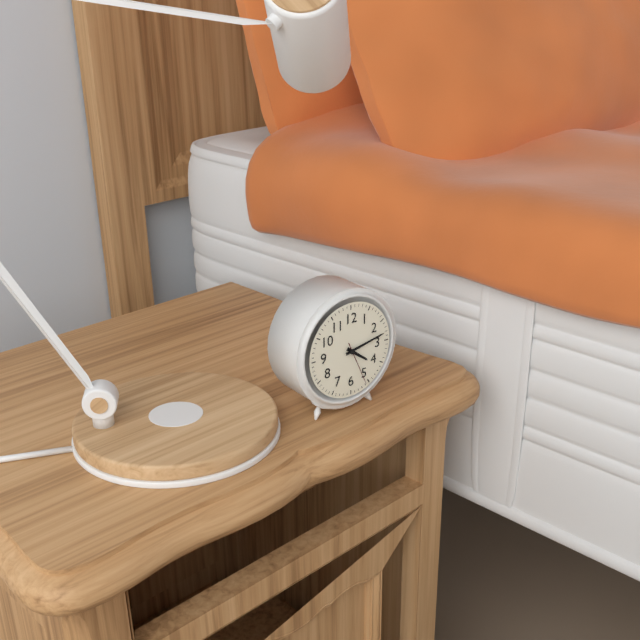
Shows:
4h13
